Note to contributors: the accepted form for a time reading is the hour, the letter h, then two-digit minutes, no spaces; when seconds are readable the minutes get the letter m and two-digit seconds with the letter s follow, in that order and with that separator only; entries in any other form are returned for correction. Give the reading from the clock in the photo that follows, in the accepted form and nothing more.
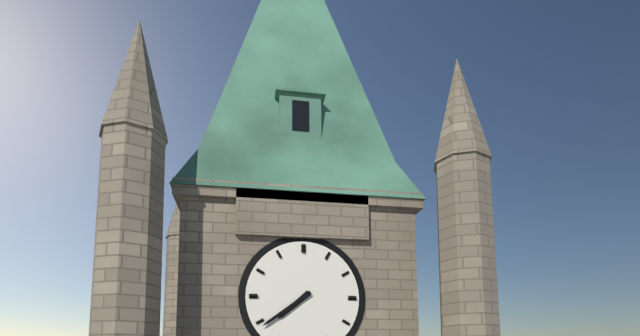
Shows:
7h39
